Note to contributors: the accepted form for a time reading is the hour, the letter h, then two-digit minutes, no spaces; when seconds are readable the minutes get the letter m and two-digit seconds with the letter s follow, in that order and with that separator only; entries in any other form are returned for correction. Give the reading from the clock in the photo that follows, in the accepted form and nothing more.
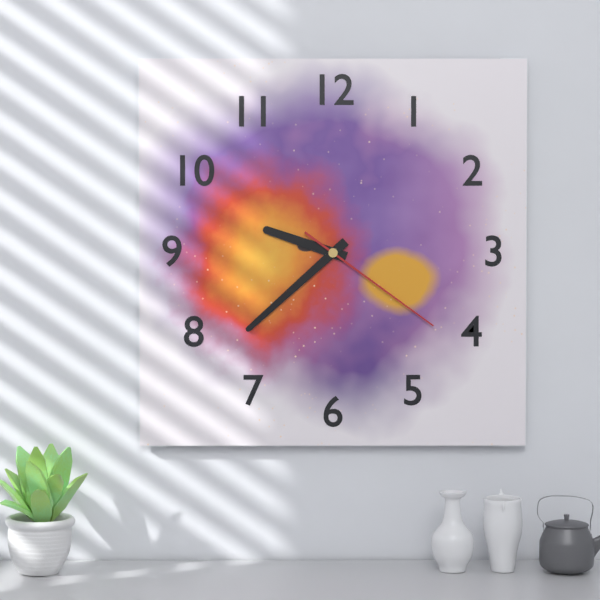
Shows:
9h38m21s
